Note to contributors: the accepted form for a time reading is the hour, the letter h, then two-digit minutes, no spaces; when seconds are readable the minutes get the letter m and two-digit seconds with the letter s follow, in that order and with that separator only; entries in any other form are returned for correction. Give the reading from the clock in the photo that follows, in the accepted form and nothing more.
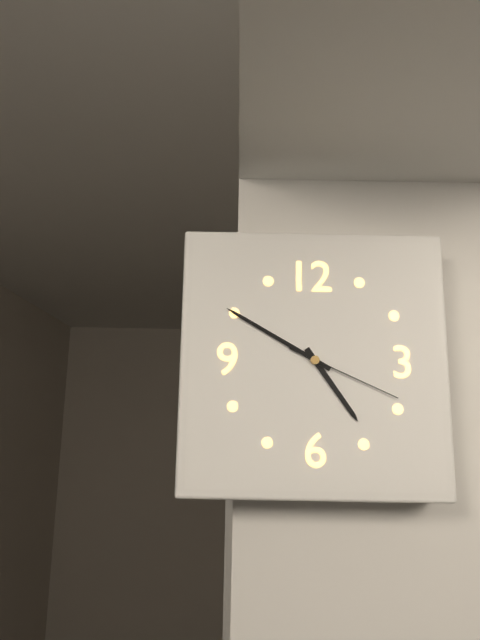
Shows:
4h50m19s
